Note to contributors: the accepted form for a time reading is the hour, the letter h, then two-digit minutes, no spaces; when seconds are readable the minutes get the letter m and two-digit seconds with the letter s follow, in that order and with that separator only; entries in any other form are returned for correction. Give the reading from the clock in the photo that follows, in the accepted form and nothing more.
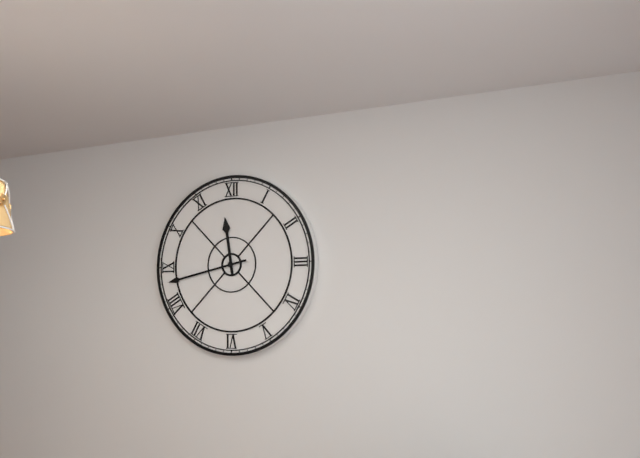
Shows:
11h43
